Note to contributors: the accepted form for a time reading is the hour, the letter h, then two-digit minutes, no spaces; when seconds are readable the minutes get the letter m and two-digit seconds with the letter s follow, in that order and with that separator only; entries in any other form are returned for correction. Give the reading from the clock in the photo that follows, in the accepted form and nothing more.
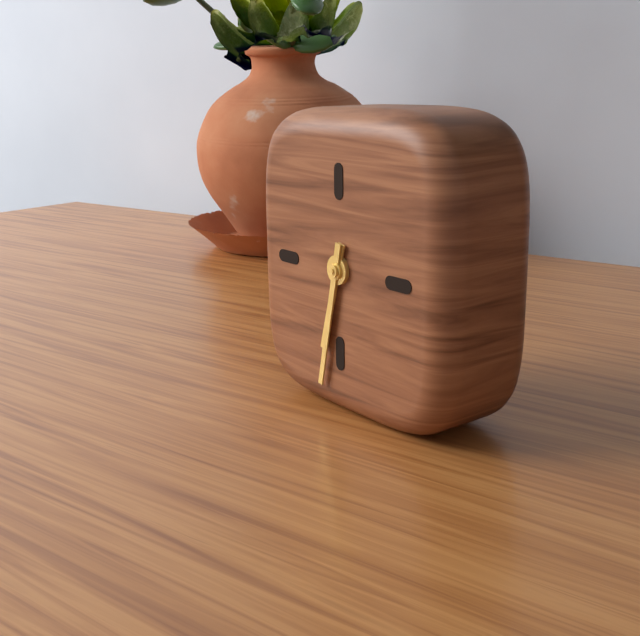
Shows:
6h32
